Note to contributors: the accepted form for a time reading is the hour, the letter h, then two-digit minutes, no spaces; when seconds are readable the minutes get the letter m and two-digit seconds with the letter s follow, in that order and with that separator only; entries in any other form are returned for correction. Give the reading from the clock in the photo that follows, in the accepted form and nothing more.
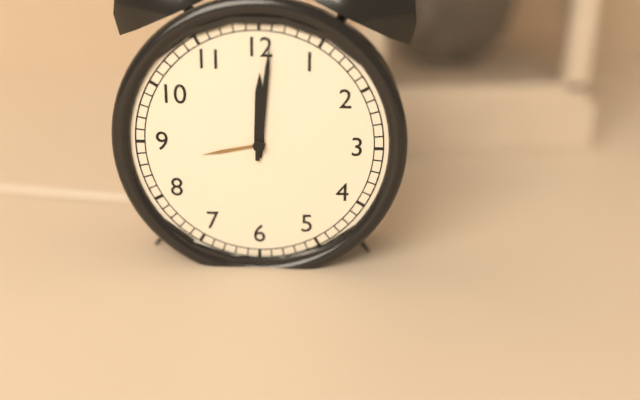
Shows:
12h01
